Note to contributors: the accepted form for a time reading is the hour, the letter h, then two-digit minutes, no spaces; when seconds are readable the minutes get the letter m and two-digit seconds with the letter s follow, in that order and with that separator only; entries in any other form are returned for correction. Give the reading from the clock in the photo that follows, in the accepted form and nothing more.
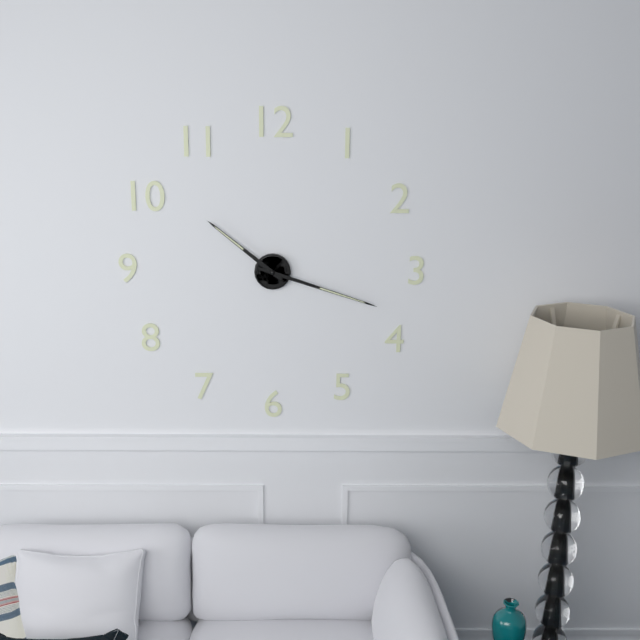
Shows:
10h18
